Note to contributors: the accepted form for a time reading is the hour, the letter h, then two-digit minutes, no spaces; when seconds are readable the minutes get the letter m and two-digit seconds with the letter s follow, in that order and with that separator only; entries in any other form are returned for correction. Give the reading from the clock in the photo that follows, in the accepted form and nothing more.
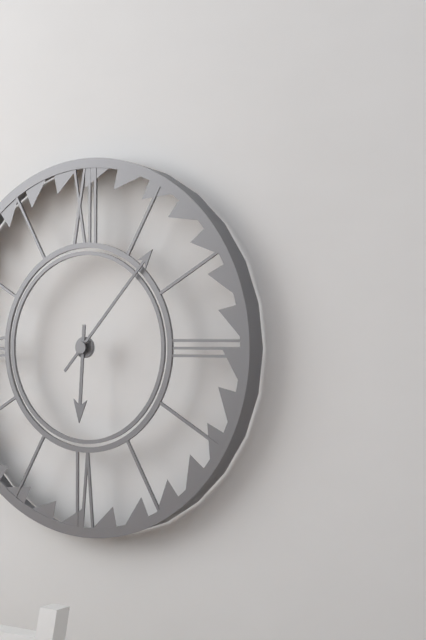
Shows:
6h07
